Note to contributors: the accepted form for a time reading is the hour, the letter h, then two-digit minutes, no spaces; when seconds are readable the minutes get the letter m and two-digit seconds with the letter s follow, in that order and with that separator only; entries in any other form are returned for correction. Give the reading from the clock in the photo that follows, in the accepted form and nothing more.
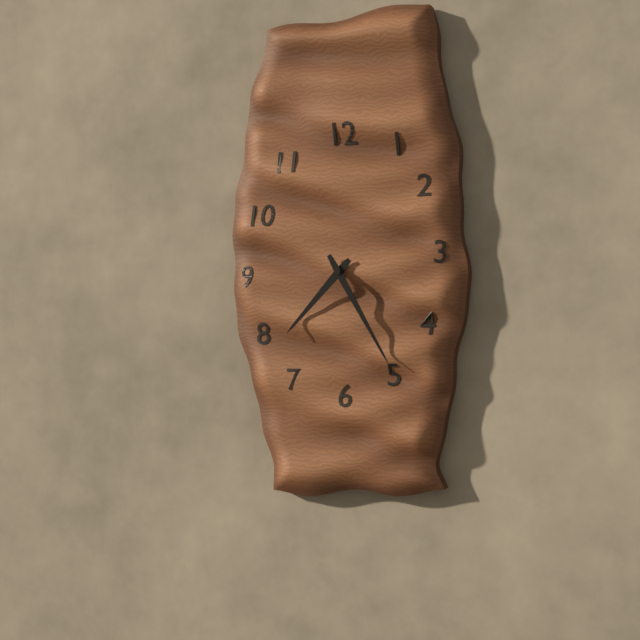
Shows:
7h25
